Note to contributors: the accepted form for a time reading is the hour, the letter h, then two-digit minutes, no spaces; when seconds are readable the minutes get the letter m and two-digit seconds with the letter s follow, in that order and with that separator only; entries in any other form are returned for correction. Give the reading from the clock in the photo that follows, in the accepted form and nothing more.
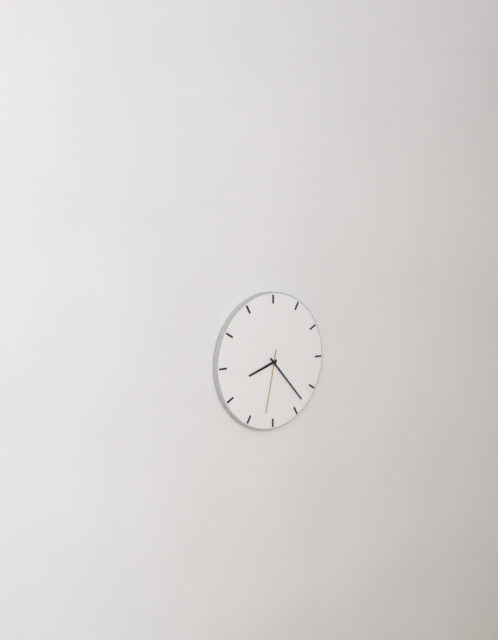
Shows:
8h23m32s
